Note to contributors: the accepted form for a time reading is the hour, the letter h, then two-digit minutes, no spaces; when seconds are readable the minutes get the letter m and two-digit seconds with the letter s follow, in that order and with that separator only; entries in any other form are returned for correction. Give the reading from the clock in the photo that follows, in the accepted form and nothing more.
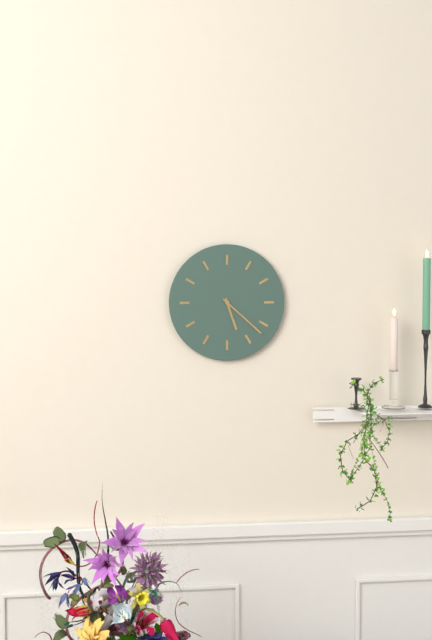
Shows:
5h22
